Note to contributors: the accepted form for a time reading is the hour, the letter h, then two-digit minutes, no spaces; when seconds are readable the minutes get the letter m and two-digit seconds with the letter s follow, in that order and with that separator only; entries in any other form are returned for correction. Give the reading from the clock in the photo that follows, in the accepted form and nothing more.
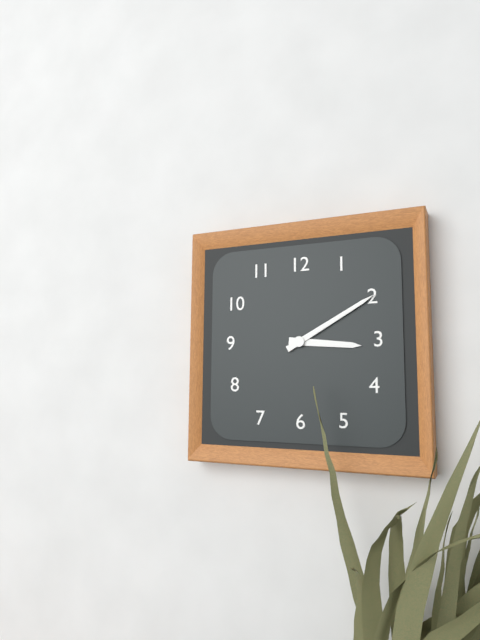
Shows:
3h10
